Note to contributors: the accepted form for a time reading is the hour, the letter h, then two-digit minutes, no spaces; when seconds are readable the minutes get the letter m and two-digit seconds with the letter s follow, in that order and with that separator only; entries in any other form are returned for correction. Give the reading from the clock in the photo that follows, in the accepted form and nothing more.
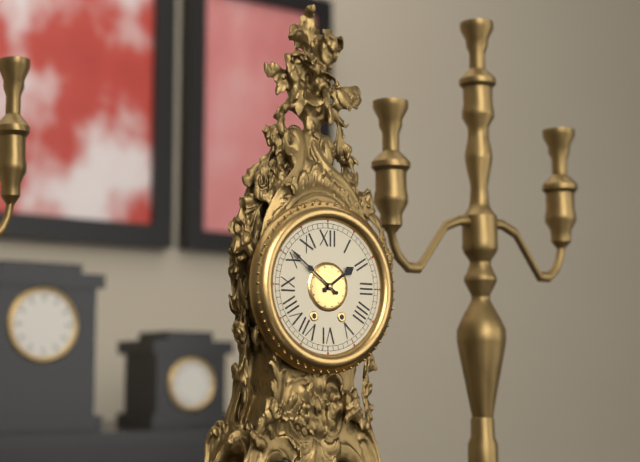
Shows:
1h51
